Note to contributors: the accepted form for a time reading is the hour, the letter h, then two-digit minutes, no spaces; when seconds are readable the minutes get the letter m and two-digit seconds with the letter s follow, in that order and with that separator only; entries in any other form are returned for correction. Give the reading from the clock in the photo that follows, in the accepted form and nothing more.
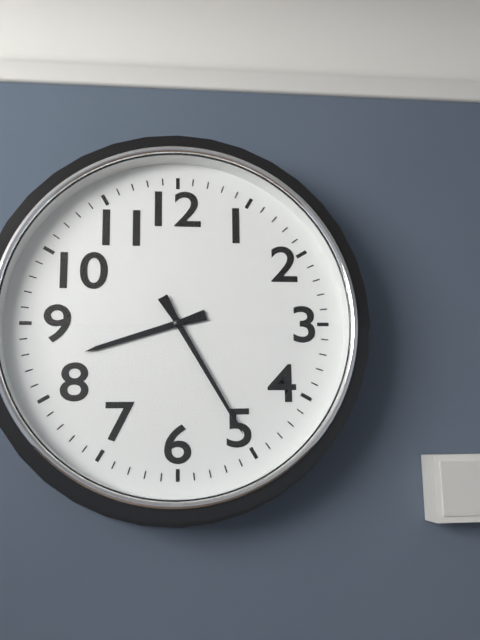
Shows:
8h25
